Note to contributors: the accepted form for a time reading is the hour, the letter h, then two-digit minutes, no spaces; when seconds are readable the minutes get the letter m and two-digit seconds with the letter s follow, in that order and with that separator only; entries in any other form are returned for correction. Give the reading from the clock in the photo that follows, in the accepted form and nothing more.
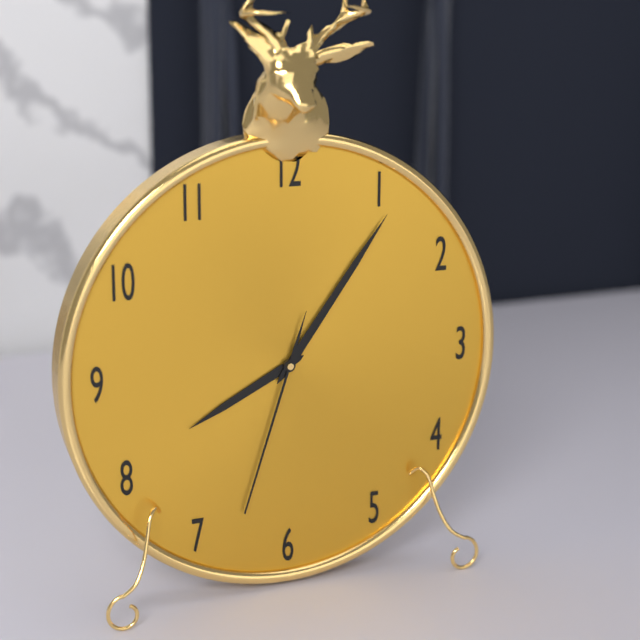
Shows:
8h06m33s
